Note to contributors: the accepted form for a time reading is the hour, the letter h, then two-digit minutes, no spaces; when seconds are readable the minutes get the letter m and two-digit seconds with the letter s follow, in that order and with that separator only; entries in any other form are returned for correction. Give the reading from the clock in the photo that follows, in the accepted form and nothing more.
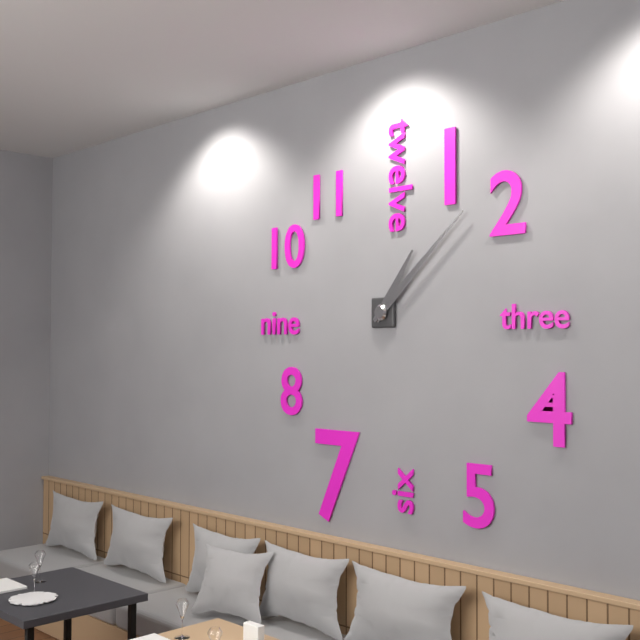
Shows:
1h08
